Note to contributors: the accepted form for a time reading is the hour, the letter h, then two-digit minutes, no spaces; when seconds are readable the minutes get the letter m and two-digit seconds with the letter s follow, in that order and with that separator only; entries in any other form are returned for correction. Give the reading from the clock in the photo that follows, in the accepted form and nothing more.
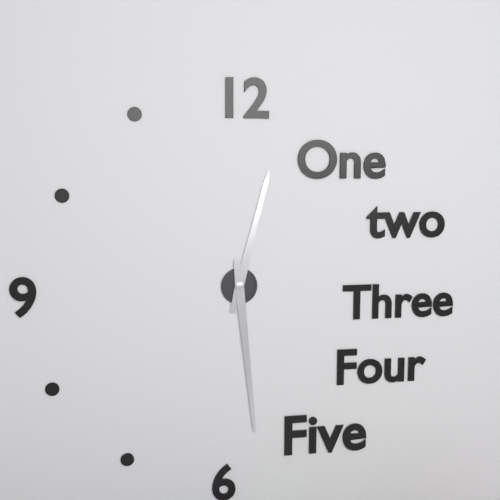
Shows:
12h29
